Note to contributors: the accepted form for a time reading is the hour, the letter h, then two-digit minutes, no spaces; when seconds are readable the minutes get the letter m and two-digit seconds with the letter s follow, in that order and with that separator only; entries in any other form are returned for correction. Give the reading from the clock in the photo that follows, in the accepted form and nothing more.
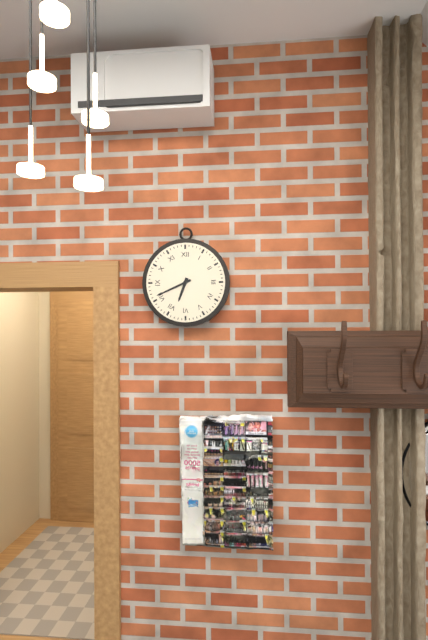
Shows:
6h41
